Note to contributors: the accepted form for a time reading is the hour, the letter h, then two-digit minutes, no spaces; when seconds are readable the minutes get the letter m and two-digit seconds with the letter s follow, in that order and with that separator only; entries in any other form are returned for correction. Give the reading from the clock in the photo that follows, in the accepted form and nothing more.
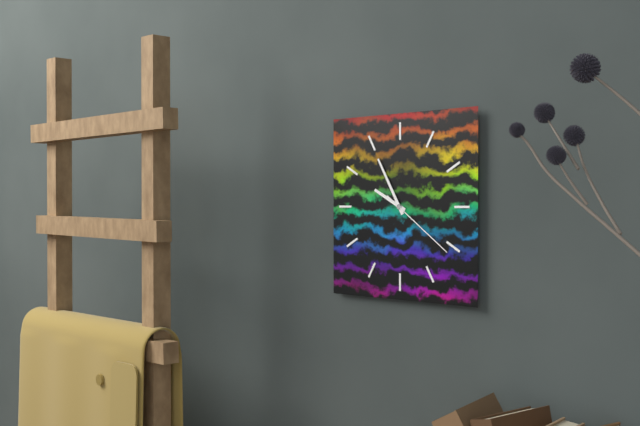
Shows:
9h55m21s
